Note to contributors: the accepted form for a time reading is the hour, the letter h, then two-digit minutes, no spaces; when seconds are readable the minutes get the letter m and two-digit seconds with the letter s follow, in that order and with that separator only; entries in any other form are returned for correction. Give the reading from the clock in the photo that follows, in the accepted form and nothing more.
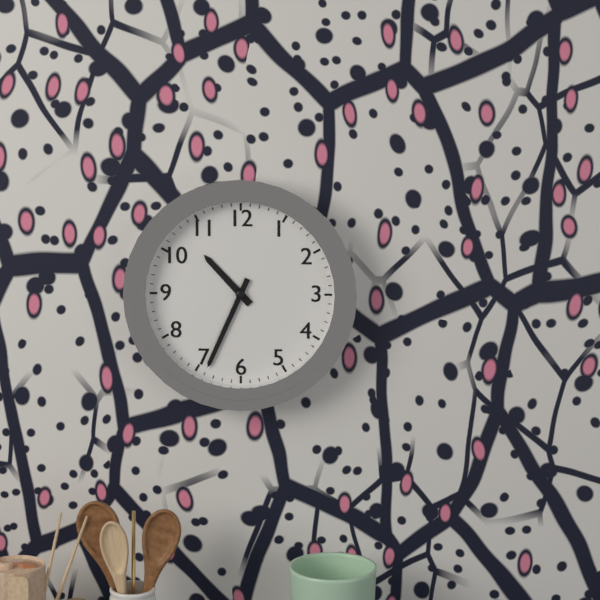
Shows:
10h34
